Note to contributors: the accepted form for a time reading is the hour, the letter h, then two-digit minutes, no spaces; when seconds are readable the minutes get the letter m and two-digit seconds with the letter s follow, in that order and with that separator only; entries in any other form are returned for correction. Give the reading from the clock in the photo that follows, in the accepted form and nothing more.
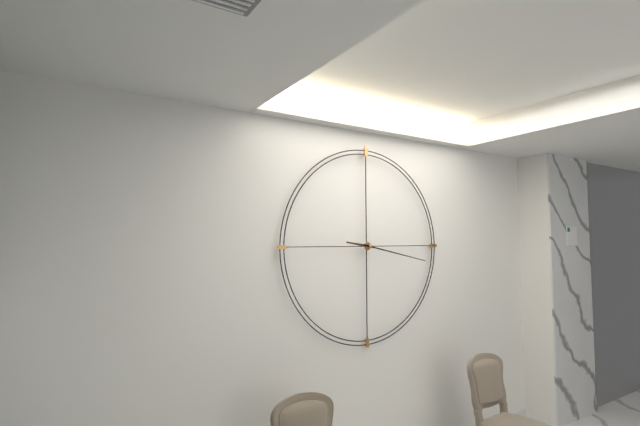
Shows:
9h17
